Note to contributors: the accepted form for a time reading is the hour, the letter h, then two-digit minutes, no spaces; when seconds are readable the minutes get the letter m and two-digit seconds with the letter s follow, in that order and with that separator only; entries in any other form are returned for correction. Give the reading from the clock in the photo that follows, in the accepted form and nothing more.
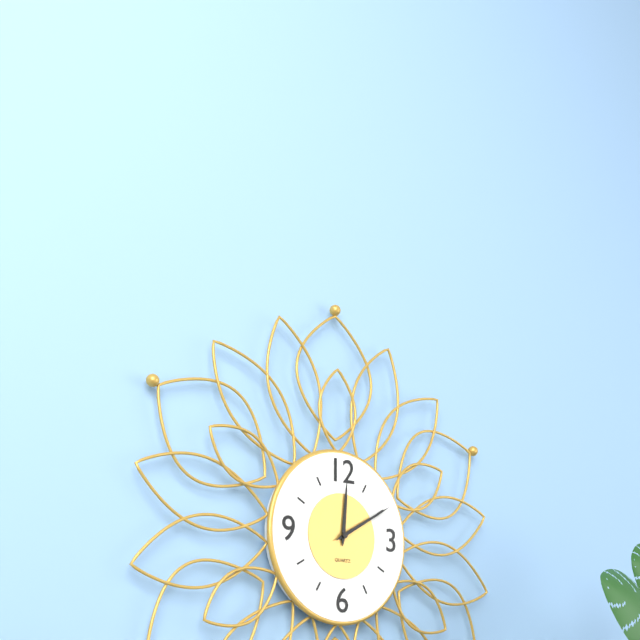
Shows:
12h10
